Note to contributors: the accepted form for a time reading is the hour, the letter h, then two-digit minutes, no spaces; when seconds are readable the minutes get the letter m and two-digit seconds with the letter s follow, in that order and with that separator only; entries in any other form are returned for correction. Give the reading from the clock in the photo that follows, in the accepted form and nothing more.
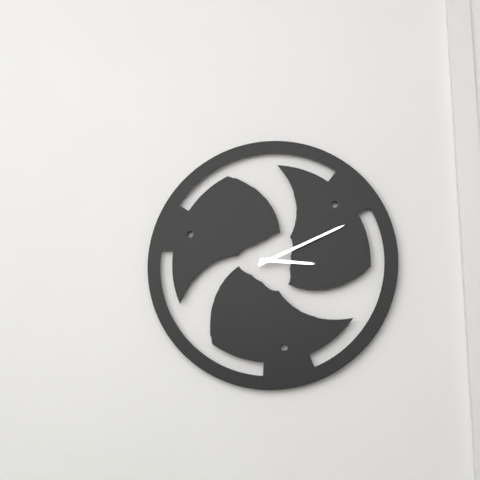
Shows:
3h11
